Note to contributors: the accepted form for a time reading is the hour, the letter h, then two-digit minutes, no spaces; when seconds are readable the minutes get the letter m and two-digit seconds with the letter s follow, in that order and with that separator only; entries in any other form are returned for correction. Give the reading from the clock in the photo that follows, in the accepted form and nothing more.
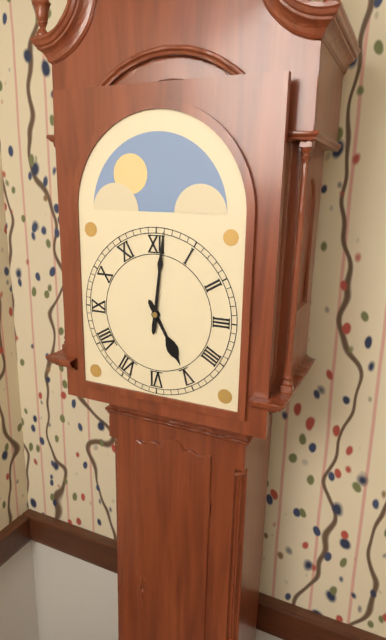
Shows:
5h01
